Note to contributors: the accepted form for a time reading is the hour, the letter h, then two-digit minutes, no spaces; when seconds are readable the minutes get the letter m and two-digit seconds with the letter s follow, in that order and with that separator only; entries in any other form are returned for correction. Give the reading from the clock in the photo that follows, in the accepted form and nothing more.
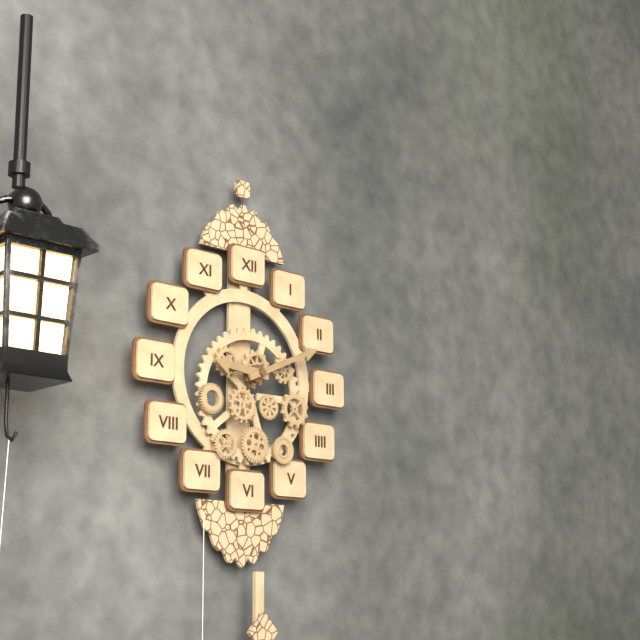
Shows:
9h11
